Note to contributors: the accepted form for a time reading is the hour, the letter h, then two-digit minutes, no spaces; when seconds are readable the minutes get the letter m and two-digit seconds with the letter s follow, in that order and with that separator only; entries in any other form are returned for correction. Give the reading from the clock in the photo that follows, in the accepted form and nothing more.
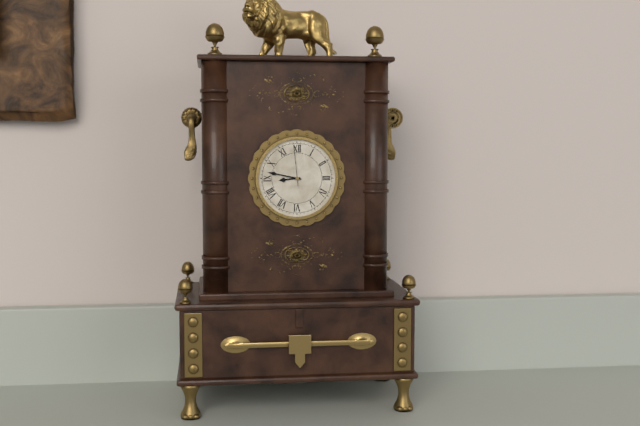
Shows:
8h47
